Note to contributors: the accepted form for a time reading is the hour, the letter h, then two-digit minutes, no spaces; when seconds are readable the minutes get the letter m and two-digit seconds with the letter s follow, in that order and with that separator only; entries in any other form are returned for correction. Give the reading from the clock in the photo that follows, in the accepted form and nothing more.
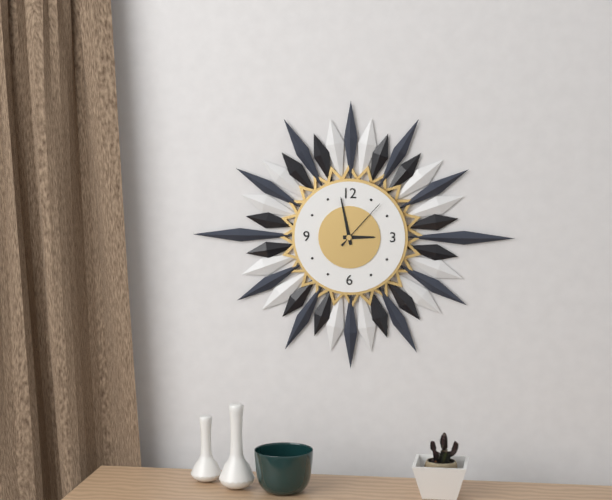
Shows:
2h58m07s
